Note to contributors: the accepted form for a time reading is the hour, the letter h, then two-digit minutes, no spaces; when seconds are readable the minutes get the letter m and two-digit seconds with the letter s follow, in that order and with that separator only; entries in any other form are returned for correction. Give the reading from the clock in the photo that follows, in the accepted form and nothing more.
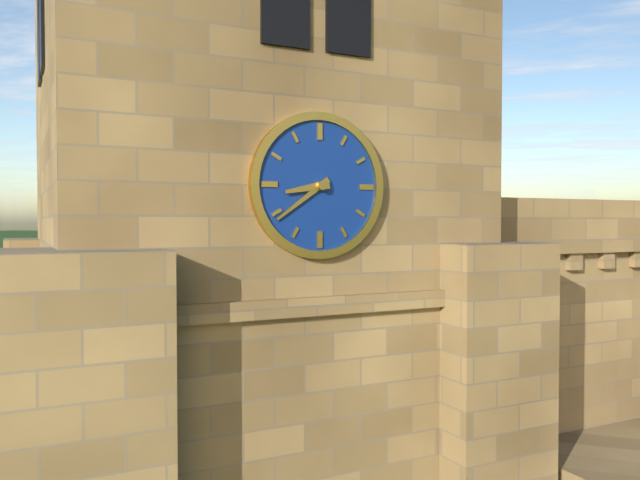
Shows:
8h39
